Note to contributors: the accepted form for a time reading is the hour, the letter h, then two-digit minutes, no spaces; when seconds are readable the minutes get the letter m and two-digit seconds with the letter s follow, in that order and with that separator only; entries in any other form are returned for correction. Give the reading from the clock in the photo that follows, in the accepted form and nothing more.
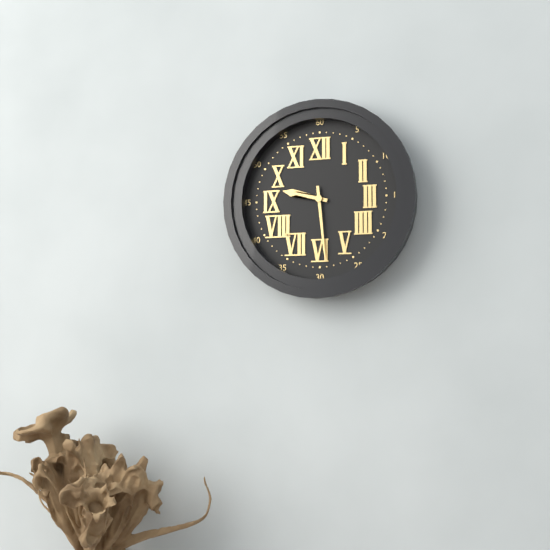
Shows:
9h29
